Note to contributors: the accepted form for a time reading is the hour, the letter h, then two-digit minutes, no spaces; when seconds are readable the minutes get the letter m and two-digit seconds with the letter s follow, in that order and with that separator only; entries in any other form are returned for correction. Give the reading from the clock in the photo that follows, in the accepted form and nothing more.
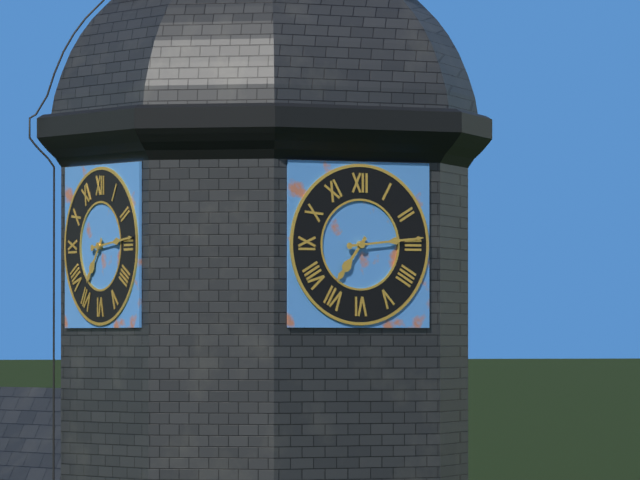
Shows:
7h14
